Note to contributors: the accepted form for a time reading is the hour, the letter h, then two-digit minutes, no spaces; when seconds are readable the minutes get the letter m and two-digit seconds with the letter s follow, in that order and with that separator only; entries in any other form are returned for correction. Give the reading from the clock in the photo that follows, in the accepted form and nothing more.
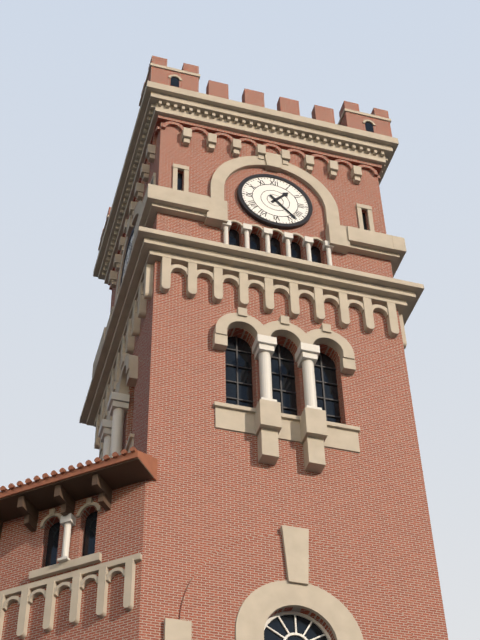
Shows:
1h23
